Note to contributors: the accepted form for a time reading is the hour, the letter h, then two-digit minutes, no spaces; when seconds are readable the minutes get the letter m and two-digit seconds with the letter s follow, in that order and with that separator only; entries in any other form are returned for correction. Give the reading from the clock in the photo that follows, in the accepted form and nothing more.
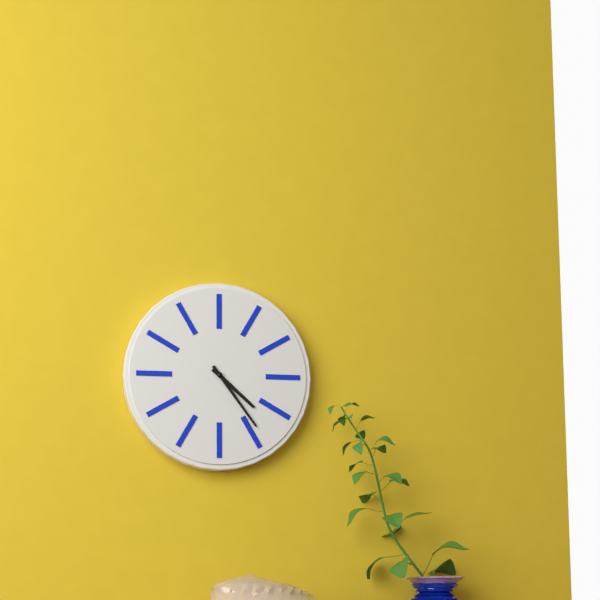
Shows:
4h24
